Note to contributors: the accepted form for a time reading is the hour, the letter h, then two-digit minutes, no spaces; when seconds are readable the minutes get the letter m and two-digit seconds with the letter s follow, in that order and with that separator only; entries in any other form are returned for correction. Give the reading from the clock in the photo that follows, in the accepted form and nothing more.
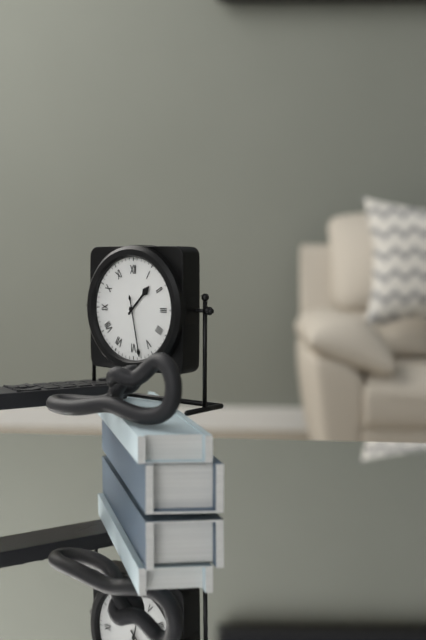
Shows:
1h28
